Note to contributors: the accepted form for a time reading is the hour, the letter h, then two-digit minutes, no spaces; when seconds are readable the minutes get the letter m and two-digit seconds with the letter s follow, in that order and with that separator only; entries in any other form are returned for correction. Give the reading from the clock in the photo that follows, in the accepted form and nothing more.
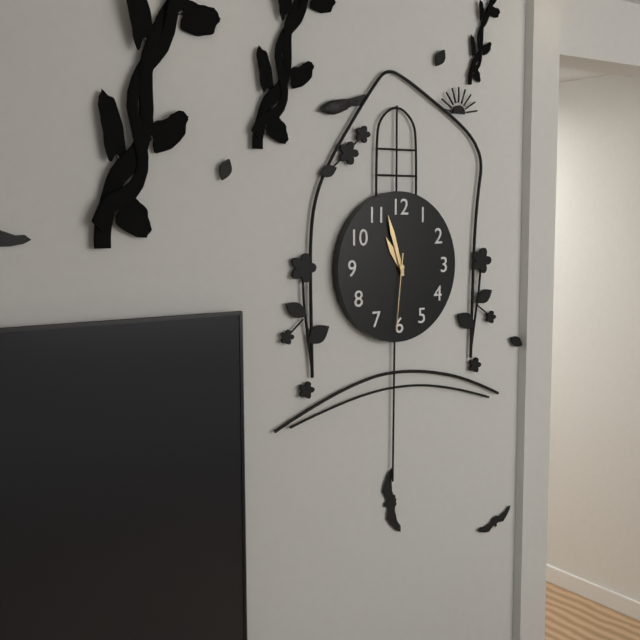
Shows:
10h57m31s
